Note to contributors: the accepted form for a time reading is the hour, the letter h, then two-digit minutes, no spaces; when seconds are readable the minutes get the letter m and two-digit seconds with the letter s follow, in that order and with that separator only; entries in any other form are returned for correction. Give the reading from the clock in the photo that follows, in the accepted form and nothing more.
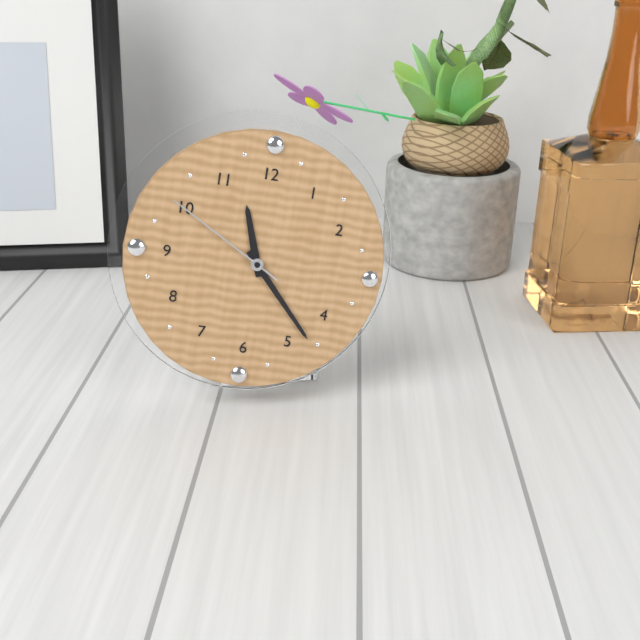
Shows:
11h23m50s
